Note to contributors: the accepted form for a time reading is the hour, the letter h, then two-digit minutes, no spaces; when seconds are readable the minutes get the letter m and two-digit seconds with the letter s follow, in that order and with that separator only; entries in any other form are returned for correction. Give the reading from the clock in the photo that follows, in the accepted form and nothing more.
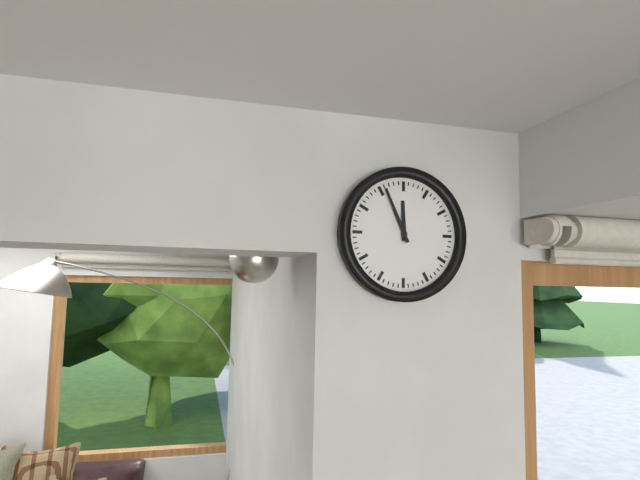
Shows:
11h56
